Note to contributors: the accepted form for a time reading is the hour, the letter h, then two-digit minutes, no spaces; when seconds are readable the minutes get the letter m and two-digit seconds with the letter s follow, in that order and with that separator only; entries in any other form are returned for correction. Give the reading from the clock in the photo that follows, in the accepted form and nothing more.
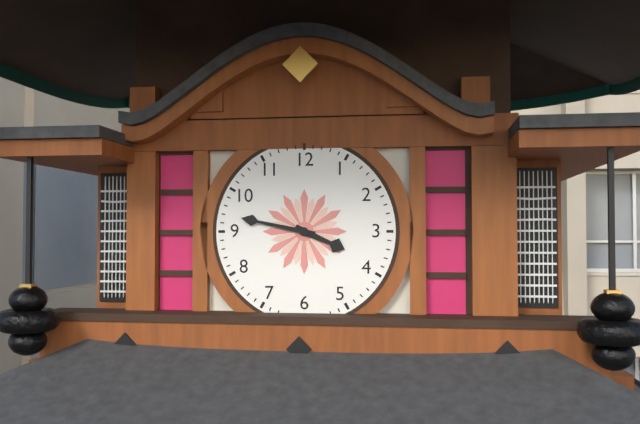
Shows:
3h47
